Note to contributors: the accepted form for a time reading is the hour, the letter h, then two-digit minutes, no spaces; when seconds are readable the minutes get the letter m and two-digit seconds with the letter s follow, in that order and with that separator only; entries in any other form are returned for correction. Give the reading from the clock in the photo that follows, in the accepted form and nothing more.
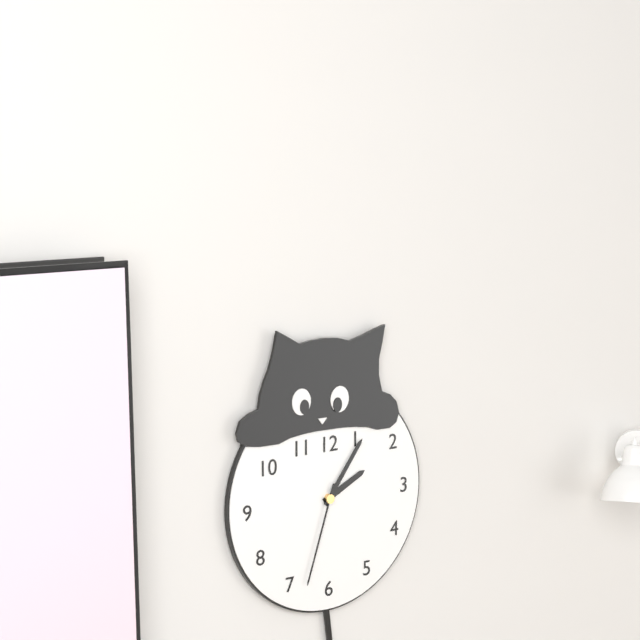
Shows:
2h06m33s
